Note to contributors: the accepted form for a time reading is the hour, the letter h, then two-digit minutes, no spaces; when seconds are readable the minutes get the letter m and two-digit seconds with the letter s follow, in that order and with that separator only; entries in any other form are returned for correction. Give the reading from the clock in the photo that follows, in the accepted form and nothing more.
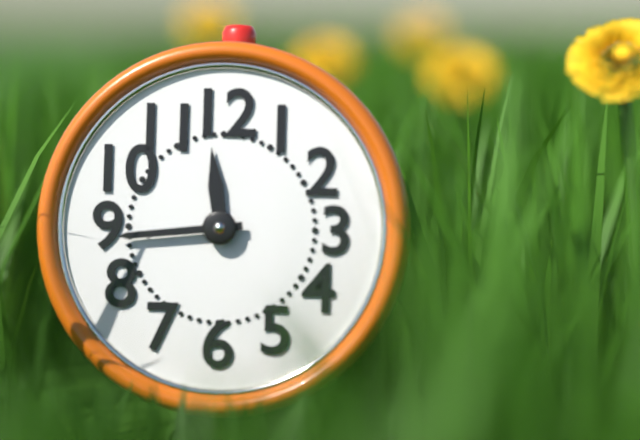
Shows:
11h44
